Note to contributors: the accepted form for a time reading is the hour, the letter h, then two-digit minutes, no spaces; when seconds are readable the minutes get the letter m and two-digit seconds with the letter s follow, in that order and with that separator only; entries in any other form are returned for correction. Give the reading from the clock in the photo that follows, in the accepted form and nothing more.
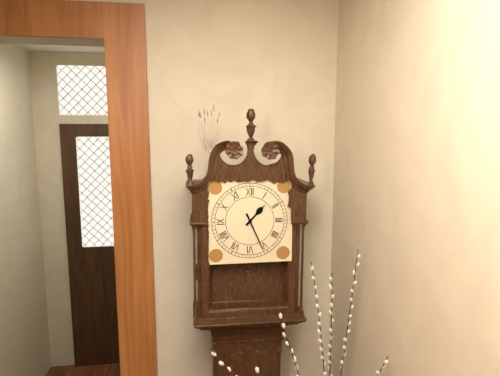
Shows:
1h26
